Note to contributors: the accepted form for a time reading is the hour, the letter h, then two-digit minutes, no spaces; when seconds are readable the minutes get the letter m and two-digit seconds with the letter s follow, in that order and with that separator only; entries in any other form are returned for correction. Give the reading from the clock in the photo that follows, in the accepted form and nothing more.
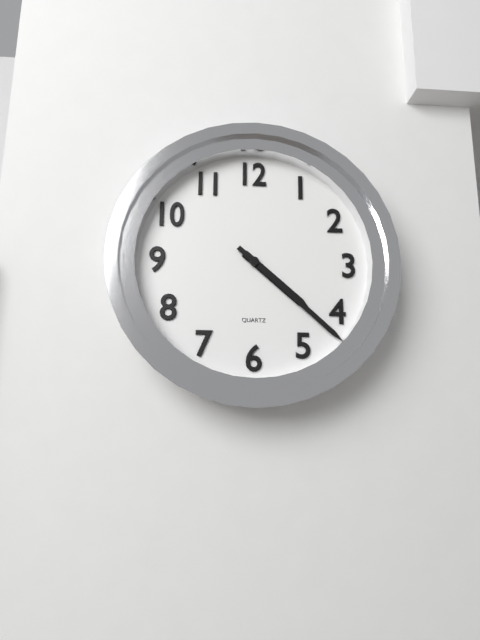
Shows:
4h22
